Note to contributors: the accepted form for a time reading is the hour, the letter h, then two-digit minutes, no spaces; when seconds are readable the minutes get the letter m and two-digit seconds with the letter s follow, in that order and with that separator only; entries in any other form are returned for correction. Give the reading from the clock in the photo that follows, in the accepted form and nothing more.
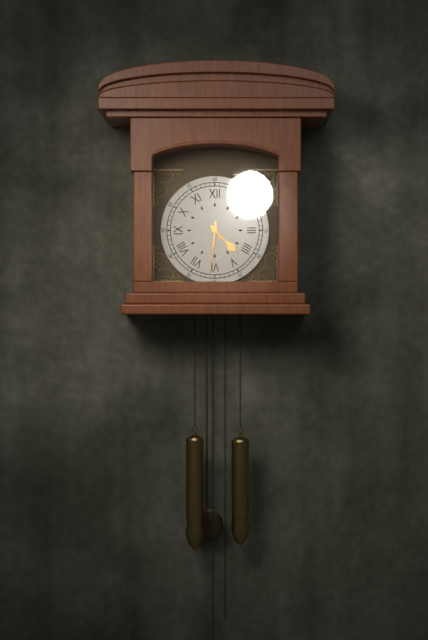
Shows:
4h31
